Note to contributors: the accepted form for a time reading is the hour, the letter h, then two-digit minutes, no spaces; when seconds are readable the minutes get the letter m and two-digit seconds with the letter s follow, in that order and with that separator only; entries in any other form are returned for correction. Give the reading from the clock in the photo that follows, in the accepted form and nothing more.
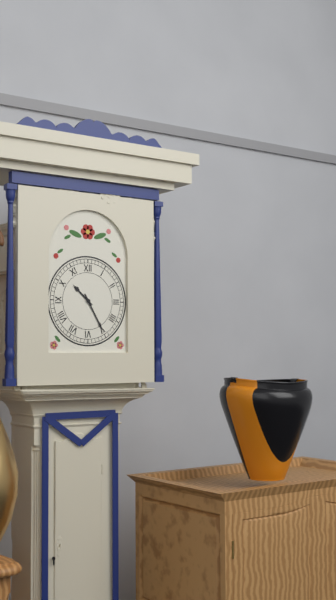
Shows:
10h25
